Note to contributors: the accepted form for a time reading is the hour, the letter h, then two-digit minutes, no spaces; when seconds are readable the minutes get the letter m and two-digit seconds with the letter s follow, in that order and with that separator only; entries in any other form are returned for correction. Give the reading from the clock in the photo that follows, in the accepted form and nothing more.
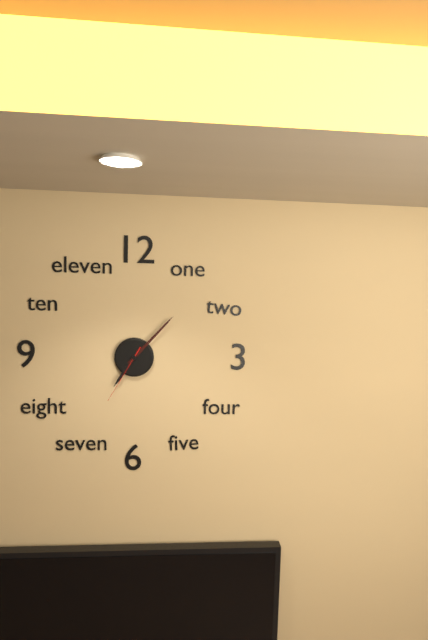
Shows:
7h07m35s
